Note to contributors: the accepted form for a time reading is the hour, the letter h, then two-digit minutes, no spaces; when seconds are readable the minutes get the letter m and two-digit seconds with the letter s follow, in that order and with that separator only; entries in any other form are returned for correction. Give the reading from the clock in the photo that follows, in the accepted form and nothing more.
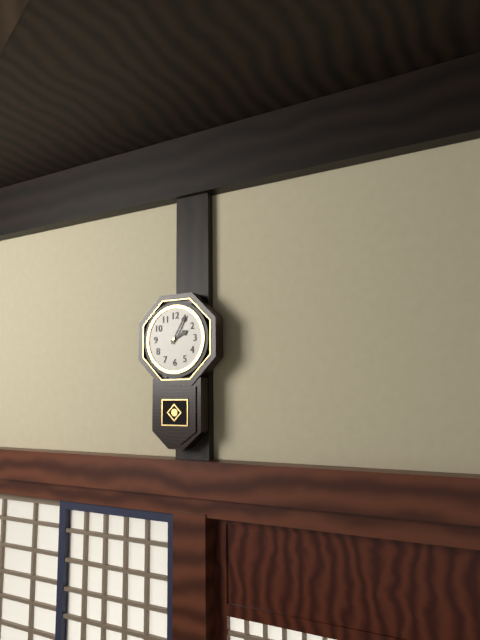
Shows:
2h05
